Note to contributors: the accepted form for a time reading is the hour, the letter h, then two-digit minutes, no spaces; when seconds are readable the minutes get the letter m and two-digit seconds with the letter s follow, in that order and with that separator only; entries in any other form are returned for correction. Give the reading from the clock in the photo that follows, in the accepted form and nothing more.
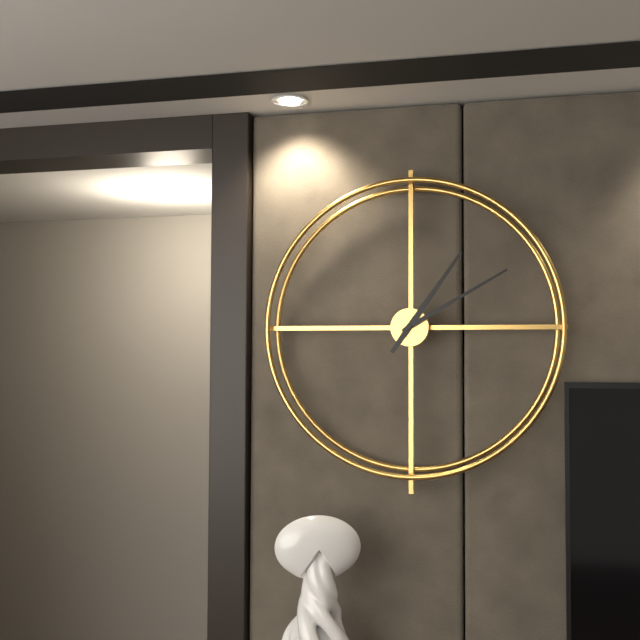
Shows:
1h10
